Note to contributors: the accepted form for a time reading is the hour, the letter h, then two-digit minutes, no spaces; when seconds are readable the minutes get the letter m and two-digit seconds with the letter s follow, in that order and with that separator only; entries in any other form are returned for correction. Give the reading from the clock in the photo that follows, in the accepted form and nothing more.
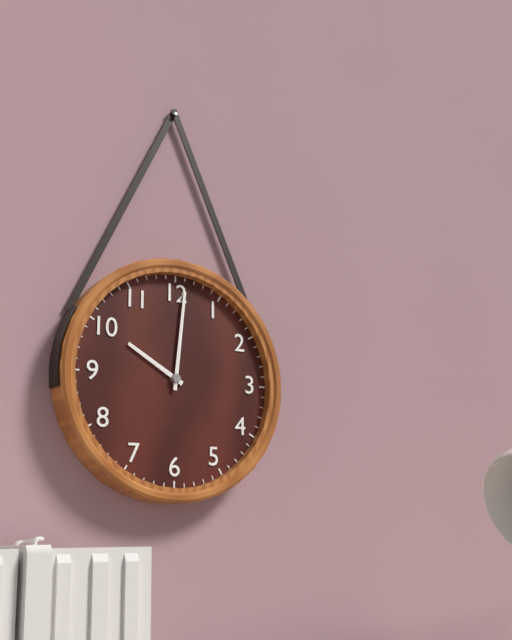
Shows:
10h01
